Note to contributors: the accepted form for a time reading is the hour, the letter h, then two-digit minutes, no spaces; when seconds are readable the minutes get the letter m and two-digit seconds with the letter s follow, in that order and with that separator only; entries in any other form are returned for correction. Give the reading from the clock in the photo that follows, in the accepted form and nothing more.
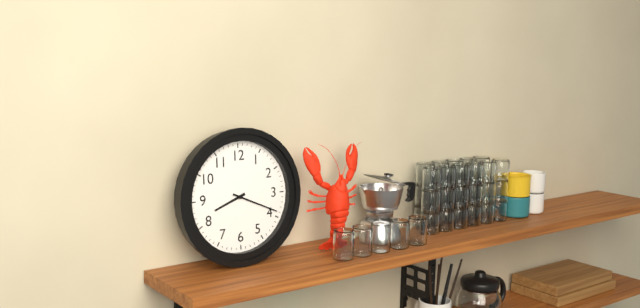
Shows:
8h19
